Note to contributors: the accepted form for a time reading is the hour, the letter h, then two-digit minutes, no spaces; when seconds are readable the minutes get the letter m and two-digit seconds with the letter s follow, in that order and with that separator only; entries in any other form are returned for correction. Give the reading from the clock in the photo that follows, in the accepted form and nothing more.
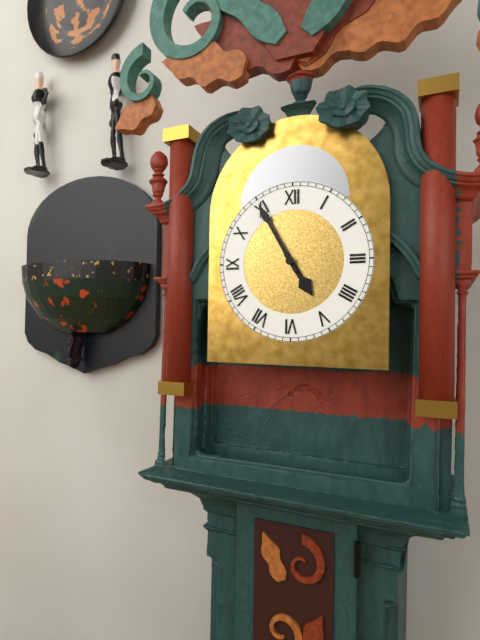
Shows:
4h55
